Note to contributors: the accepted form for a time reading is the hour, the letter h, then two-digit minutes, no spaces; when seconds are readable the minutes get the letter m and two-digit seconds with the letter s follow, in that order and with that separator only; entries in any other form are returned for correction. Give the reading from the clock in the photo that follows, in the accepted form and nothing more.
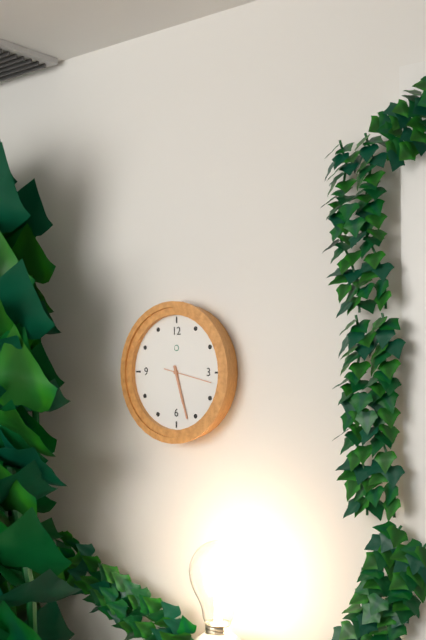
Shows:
5h27
